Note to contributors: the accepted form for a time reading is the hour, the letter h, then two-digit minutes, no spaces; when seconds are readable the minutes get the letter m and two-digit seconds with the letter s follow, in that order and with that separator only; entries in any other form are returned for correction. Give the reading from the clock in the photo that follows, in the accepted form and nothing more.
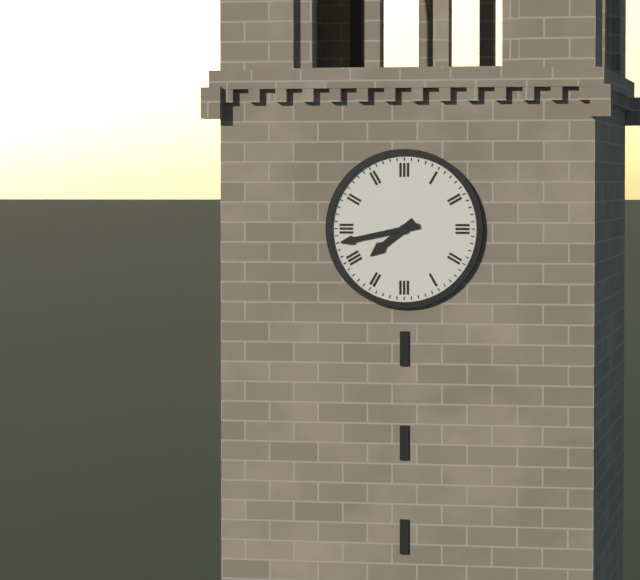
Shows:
7h43
